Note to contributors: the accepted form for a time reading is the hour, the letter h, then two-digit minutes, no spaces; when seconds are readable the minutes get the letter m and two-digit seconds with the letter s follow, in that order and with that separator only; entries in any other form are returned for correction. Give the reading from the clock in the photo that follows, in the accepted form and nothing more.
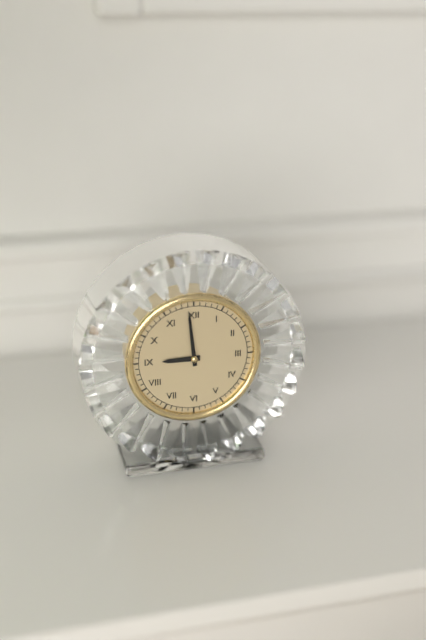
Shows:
8h59
